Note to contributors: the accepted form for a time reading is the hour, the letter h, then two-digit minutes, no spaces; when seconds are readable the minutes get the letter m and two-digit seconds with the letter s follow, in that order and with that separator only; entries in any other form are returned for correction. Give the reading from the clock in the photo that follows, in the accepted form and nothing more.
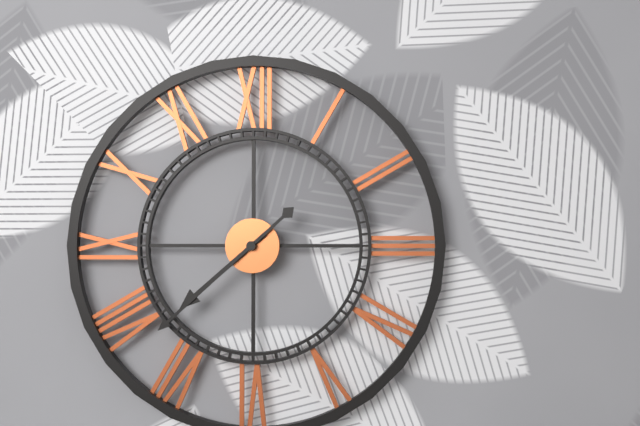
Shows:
7h38
